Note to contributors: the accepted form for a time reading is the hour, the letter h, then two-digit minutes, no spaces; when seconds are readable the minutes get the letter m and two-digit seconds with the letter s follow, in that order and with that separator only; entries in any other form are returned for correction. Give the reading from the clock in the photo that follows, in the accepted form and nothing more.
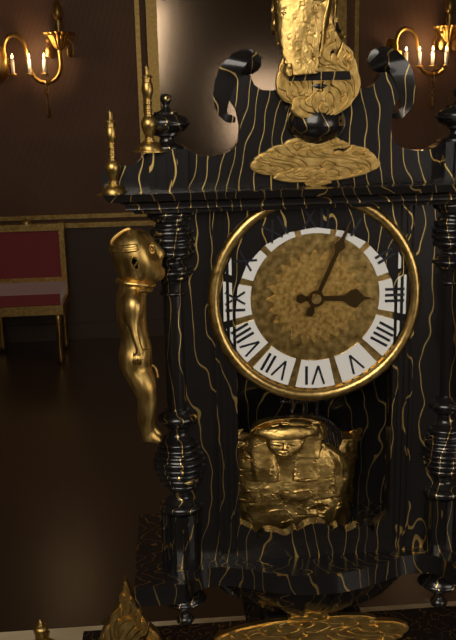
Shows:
3h04
